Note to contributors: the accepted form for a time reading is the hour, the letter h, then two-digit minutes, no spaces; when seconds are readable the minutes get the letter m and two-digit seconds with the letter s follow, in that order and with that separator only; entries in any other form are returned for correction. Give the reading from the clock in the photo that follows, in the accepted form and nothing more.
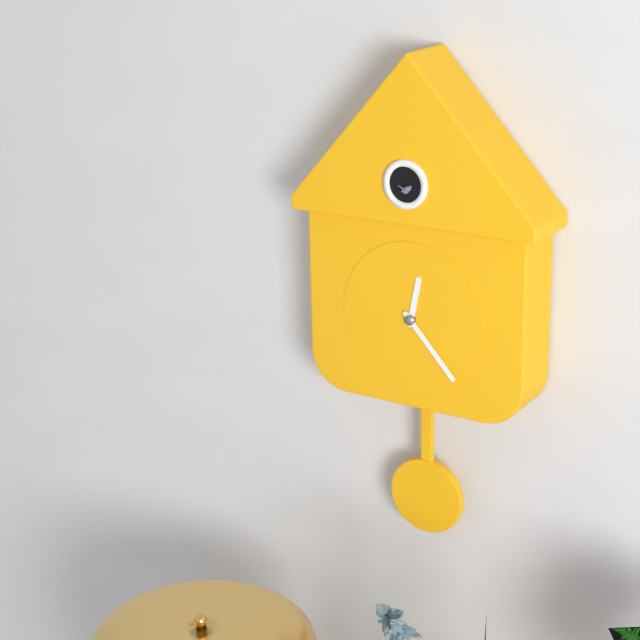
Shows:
12h23
